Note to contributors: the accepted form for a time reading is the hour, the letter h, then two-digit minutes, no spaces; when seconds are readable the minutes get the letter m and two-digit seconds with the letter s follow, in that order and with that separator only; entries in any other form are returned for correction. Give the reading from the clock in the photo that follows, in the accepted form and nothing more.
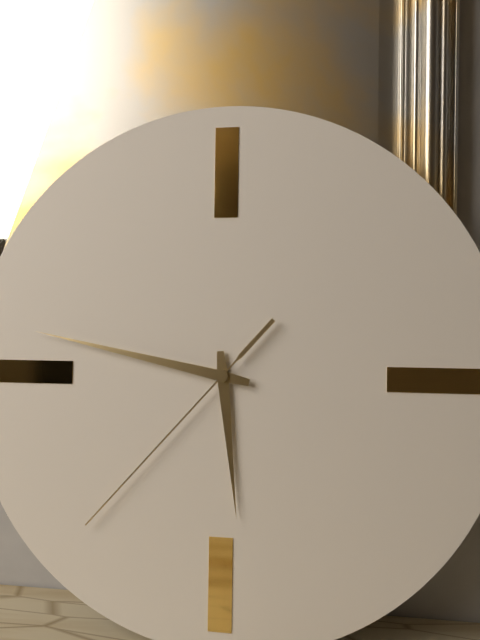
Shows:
5h47m37s
